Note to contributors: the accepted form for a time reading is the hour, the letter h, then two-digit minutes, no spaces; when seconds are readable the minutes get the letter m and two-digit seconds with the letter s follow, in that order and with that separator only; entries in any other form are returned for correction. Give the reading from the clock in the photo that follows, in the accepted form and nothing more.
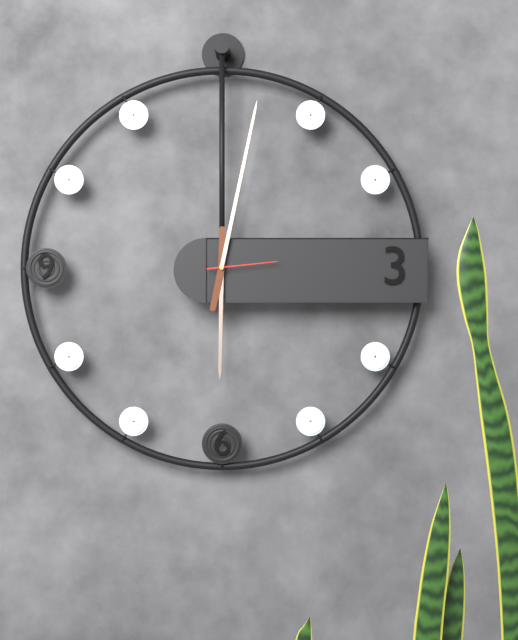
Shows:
6h02m14s
